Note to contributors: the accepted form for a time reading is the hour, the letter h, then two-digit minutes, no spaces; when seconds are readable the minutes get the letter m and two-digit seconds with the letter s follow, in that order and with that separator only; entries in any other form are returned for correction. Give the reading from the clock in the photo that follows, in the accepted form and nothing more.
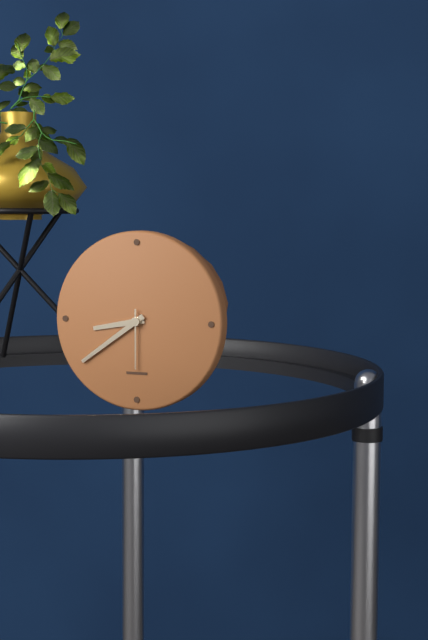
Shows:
8h39m30s
